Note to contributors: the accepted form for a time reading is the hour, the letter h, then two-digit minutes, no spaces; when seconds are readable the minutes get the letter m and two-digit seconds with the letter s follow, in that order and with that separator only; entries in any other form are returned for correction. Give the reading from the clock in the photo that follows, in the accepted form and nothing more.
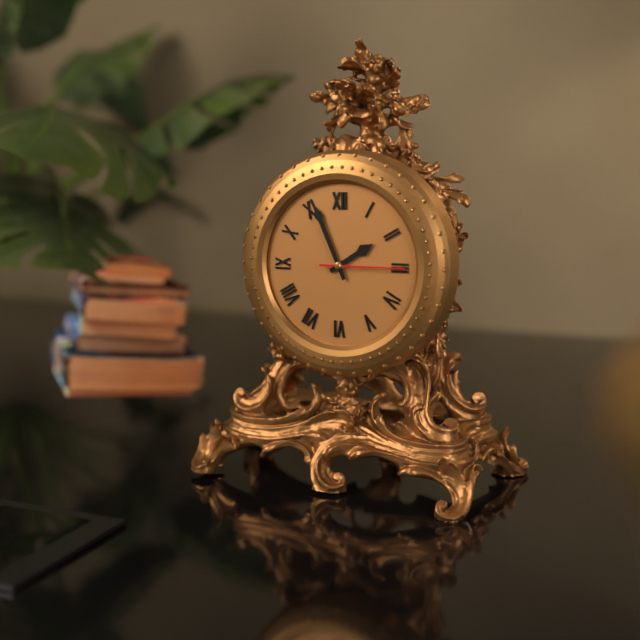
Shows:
1h56m15s
